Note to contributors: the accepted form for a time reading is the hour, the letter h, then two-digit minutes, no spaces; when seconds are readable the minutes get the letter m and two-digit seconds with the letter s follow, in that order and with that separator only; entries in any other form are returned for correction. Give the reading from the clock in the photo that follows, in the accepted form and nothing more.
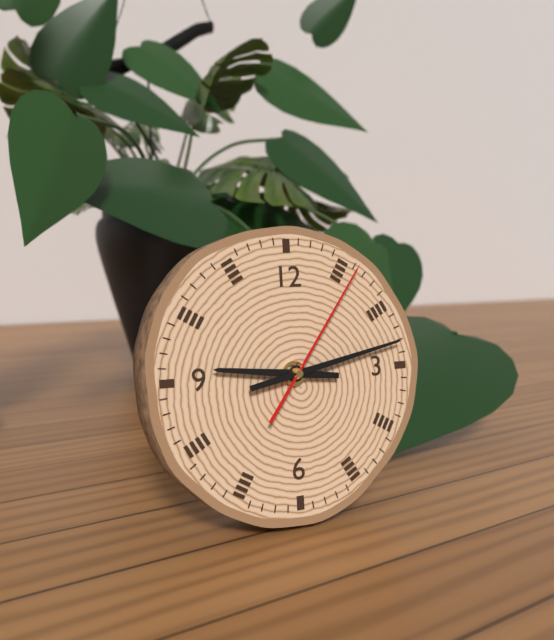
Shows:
9h13m06s
